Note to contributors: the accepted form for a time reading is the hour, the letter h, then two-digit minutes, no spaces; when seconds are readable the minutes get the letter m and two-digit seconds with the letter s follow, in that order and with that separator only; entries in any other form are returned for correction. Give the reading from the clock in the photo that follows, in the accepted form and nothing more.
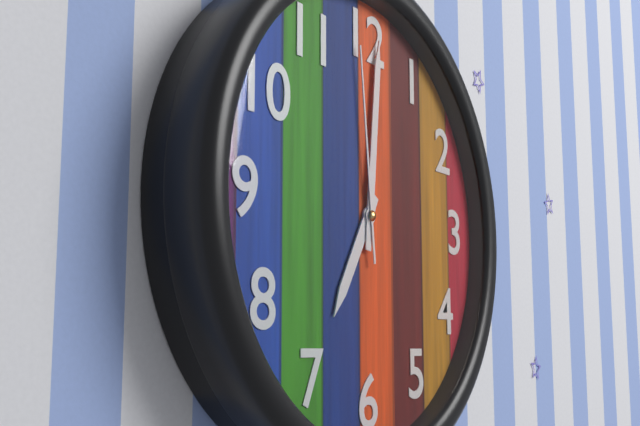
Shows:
7h01m59s
